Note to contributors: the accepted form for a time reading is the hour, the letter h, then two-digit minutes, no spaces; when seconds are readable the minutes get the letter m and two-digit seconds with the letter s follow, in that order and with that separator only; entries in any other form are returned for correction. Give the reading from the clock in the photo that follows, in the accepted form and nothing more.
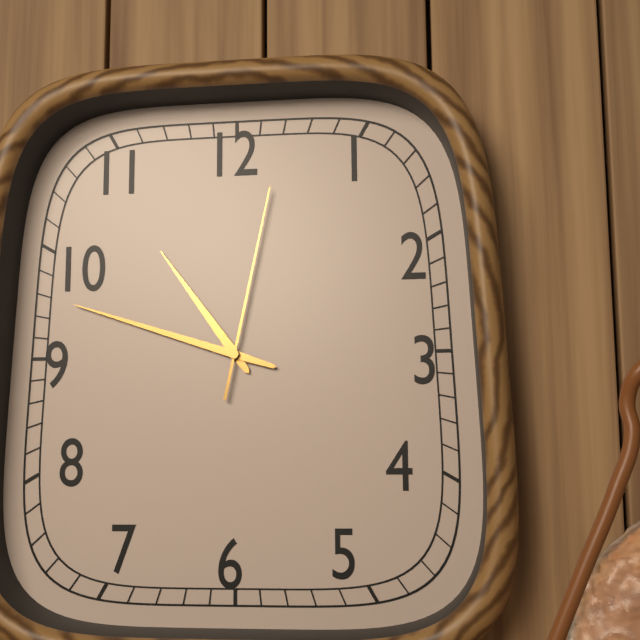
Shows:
10h48m02s
